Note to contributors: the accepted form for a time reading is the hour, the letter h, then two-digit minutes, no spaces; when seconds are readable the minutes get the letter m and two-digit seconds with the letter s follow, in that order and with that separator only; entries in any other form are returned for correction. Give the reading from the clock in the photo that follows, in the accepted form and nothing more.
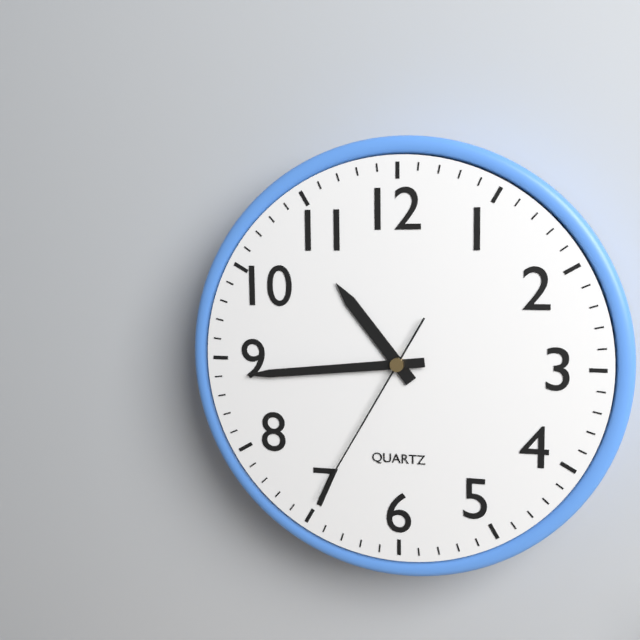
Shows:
10h44m35s
